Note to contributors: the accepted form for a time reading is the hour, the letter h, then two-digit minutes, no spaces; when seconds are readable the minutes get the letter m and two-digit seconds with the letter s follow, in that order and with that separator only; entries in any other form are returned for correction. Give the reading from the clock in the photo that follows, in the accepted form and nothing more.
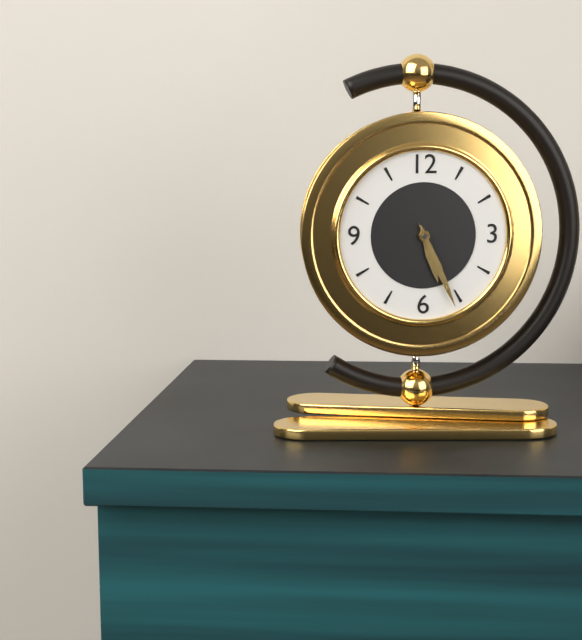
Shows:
5h26
